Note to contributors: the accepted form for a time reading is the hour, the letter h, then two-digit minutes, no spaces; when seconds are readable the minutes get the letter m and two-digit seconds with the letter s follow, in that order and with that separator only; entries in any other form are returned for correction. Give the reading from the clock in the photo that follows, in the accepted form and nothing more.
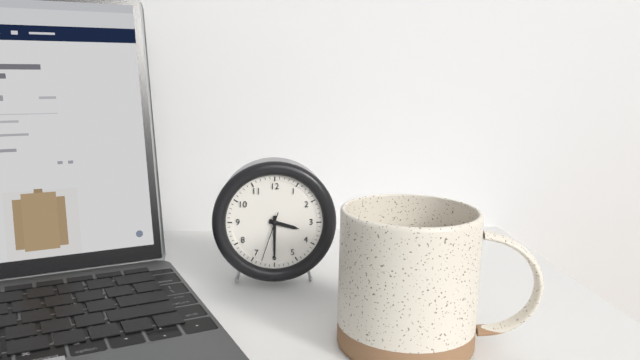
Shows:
3h30m33s
